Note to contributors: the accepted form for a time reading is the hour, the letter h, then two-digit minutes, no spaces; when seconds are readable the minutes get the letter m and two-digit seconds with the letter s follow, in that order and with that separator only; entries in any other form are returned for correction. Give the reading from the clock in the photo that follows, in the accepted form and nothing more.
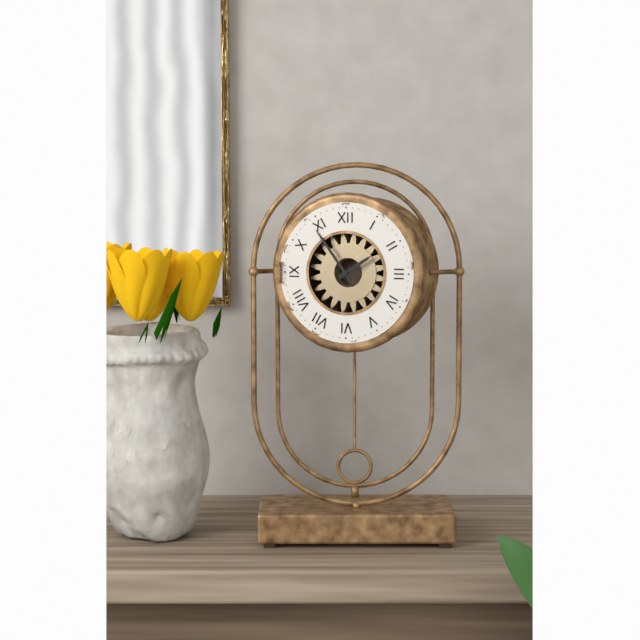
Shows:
1h54
